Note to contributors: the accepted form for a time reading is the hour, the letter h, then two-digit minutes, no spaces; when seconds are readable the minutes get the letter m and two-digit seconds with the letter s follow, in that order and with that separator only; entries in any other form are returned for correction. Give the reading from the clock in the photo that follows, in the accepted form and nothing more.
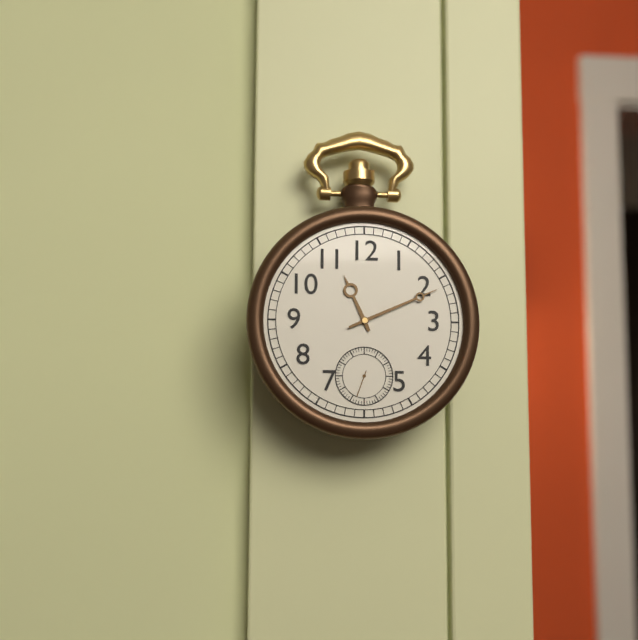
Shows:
11h11
